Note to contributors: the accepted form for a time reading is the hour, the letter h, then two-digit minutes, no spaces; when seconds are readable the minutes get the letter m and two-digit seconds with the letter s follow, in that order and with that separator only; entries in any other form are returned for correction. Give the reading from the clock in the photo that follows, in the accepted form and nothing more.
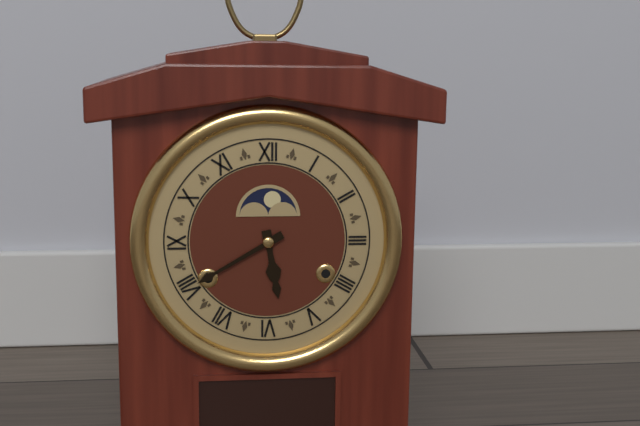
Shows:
5h40
